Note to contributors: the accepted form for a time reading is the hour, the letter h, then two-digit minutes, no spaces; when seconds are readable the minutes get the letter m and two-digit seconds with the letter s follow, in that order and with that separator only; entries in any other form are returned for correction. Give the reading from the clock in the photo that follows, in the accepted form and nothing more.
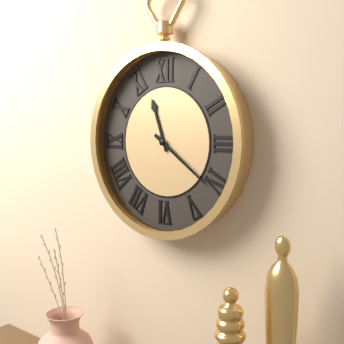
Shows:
11h21
